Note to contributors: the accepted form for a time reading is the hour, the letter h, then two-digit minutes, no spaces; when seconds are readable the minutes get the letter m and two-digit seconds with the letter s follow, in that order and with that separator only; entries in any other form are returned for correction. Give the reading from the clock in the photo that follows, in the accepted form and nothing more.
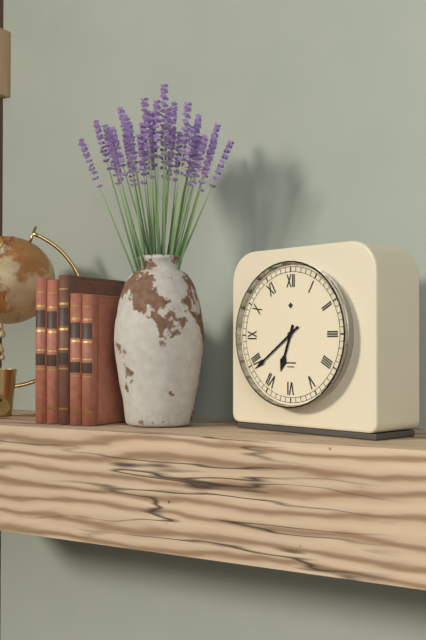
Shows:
6h39
